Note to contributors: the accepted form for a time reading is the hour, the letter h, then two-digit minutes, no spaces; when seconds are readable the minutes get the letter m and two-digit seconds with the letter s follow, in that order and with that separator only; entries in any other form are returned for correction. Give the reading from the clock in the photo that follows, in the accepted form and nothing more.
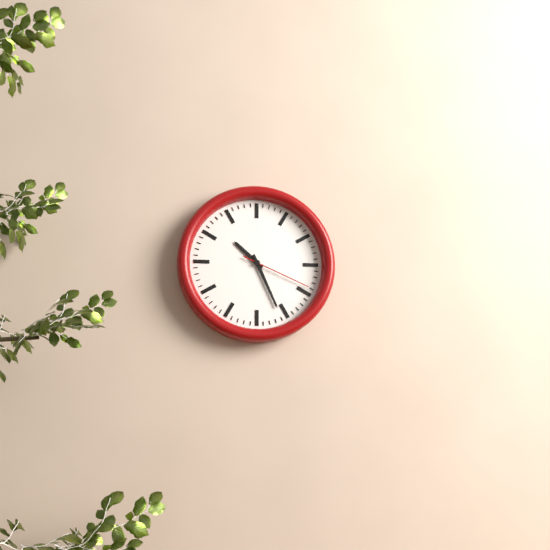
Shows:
10h26m19s
